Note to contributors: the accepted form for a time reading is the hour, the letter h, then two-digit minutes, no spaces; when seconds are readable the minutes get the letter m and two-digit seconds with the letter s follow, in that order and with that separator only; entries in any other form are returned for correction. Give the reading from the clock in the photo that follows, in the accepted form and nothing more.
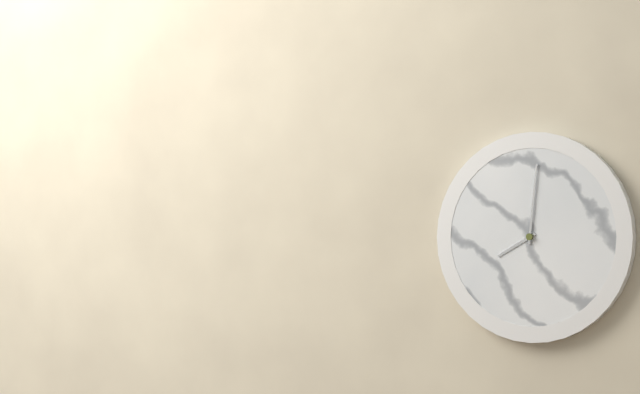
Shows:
8h01
